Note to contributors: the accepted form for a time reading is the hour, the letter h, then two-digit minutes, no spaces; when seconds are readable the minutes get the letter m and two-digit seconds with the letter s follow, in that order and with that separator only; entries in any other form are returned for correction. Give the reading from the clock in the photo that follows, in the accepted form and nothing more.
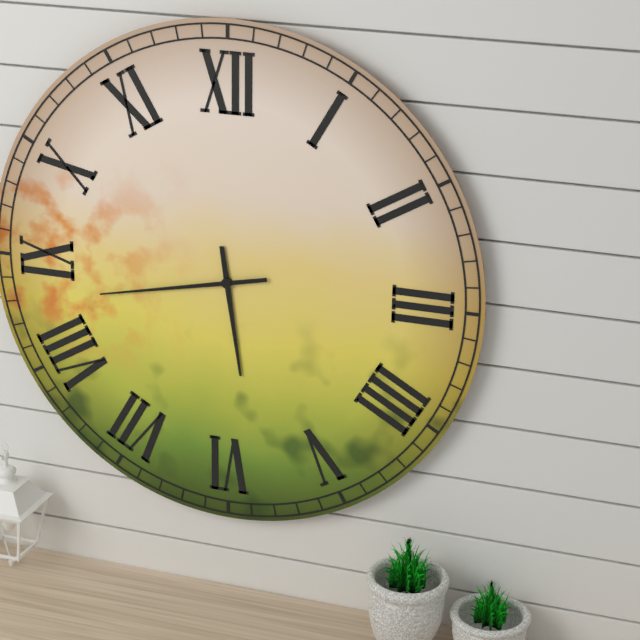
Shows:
5h43
